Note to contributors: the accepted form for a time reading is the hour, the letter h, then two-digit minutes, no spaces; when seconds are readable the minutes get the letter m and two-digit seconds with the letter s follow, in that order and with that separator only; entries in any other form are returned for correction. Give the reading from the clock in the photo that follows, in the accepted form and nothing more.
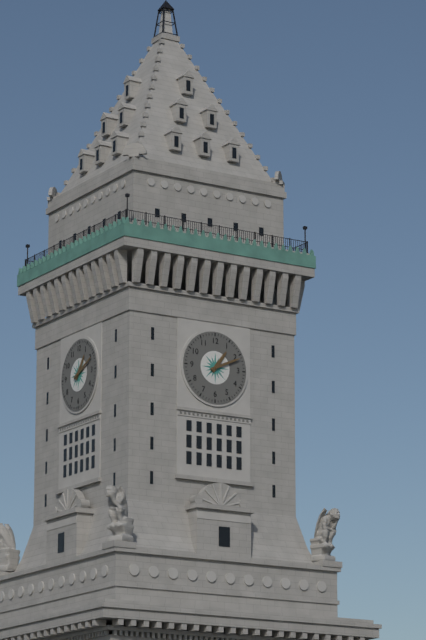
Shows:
1h11
